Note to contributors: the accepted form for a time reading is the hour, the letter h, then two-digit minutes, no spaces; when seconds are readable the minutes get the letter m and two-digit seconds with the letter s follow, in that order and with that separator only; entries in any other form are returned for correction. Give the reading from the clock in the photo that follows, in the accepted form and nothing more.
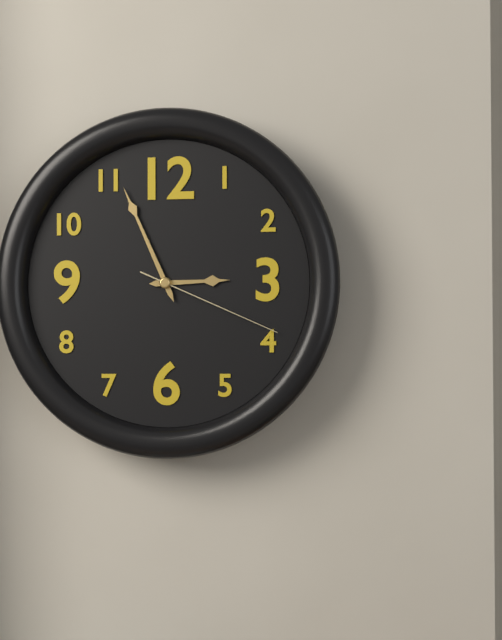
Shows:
2h56m19s
